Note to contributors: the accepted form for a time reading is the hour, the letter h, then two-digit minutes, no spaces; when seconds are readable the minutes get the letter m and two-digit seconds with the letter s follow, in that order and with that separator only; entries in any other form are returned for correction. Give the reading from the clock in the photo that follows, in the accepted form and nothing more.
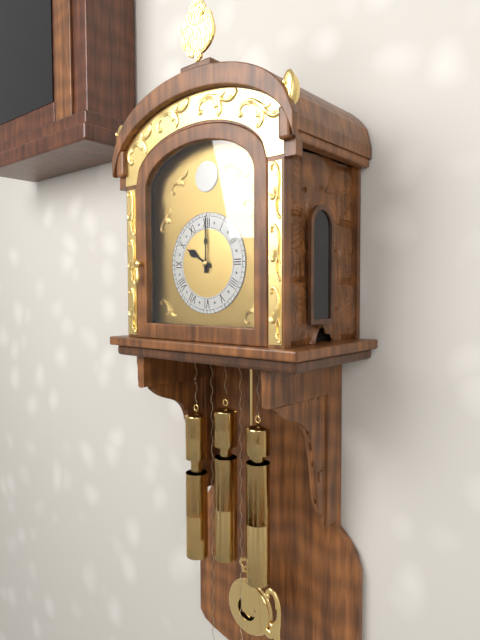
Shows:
10h00
